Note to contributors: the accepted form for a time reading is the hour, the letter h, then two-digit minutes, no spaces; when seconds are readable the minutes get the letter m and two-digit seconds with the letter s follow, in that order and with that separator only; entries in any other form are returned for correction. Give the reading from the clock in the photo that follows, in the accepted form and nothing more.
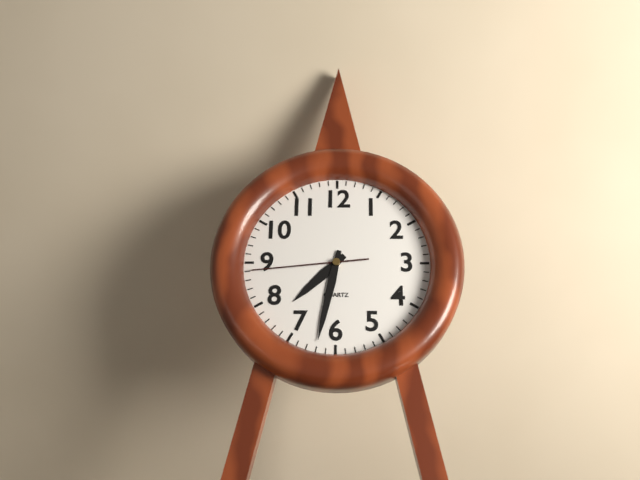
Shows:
7h32m44s
